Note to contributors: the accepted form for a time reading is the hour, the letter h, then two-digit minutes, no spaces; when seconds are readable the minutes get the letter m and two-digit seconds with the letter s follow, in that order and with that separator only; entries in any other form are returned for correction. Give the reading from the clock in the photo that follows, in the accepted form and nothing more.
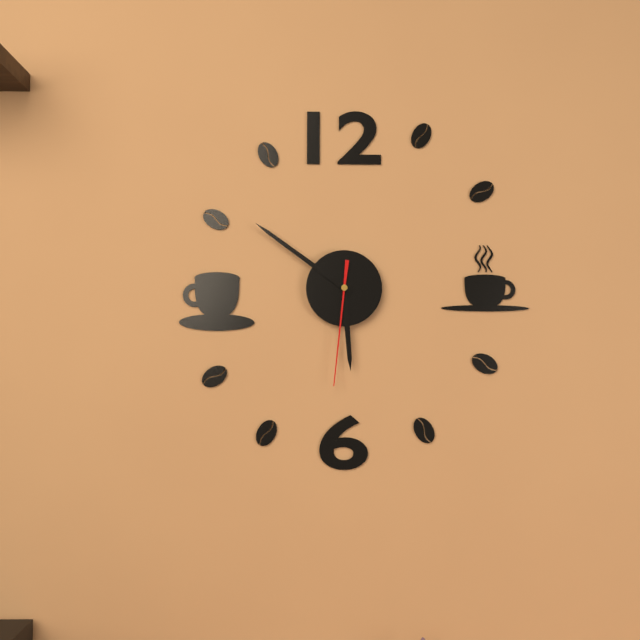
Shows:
5h51m31s
